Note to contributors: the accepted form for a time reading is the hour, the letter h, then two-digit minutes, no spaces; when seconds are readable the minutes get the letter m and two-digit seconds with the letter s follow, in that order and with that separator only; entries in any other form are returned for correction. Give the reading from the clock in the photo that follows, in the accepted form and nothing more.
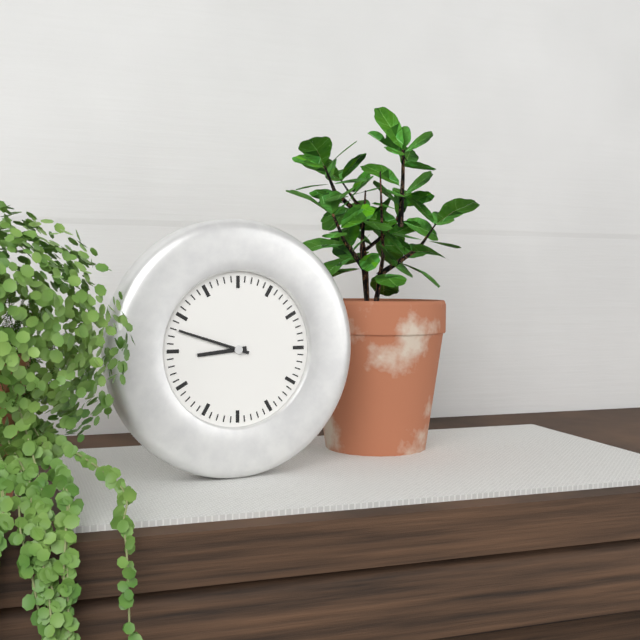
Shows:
8h48
